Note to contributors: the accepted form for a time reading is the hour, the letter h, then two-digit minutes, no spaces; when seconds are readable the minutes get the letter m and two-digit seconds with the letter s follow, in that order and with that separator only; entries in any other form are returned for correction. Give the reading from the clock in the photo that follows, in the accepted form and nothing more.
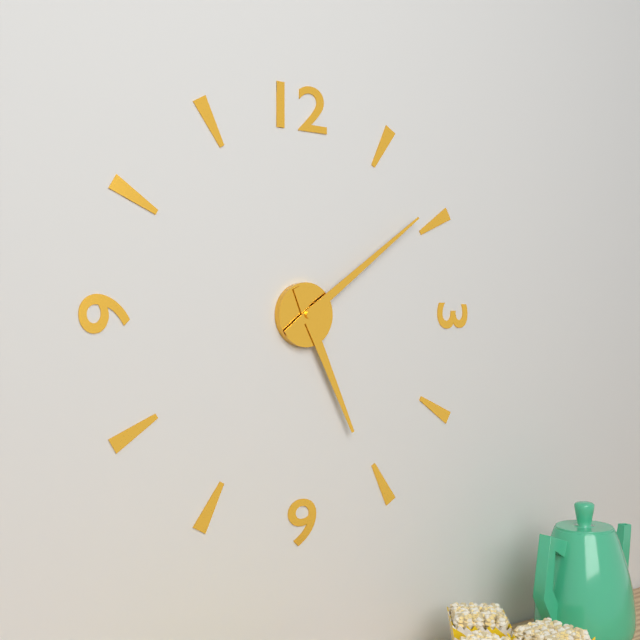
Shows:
5h09
